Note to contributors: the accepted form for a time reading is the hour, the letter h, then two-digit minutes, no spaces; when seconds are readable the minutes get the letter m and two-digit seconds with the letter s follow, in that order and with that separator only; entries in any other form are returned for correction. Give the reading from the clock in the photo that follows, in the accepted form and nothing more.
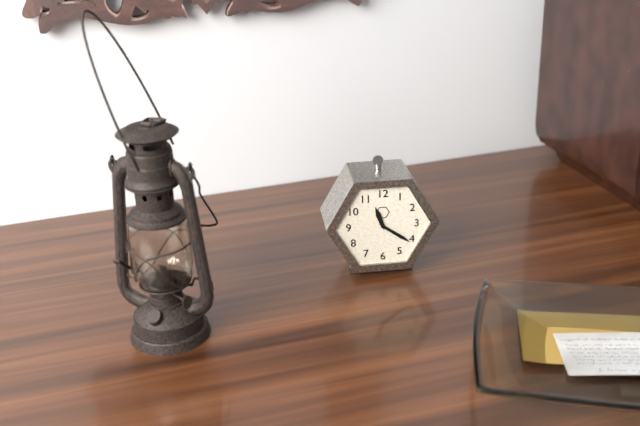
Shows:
11h21
